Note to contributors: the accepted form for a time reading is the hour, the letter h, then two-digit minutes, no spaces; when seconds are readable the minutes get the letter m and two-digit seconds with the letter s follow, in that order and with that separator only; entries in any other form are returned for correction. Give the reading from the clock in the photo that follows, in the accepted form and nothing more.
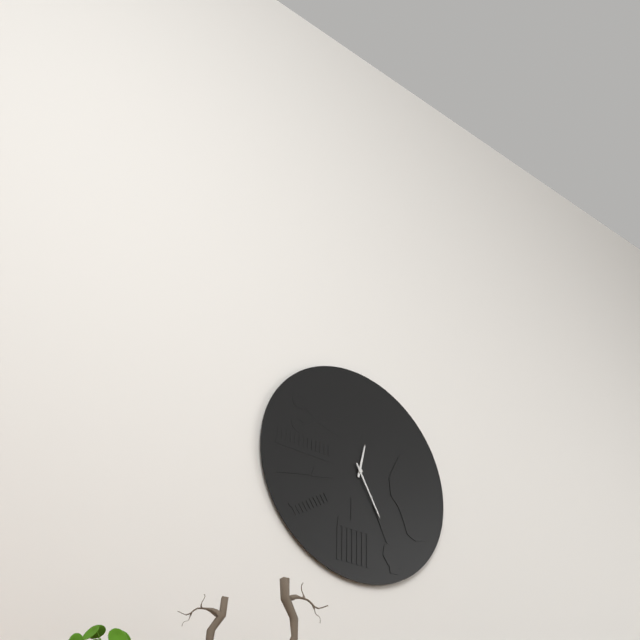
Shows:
12h25
